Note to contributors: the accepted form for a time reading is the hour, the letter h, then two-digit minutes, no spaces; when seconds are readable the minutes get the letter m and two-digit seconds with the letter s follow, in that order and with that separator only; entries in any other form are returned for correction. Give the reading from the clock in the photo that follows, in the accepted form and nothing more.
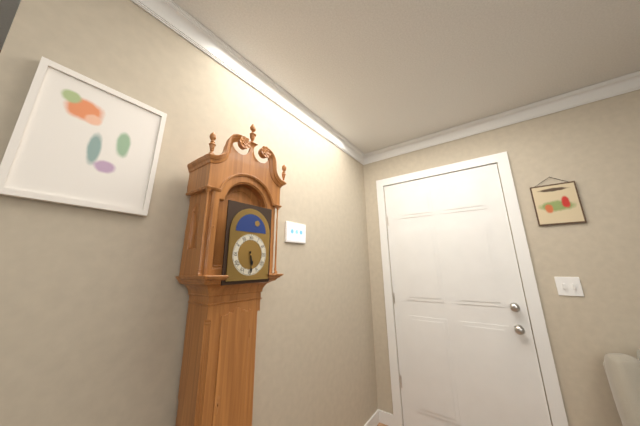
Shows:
5h29
